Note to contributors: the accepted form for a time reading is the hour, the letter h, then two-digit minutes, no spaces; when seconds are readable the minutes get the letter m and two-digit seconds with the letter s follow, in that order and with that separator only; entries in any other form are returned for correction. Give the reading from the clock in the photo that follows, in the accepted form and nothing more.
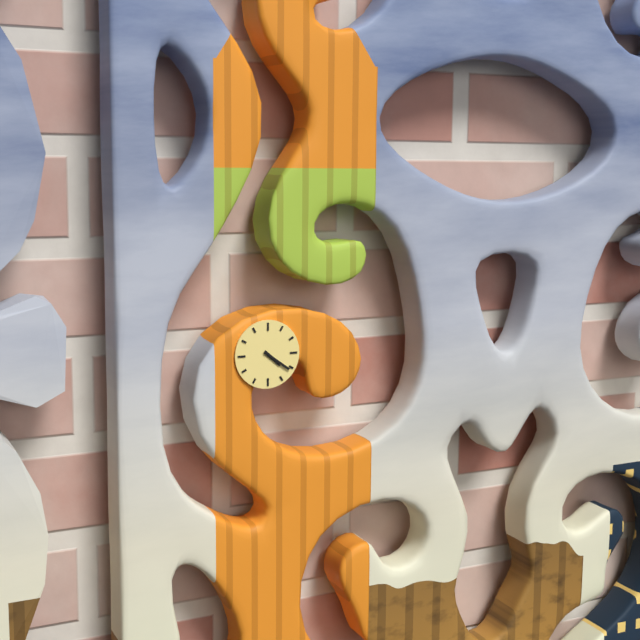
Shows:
4h21
